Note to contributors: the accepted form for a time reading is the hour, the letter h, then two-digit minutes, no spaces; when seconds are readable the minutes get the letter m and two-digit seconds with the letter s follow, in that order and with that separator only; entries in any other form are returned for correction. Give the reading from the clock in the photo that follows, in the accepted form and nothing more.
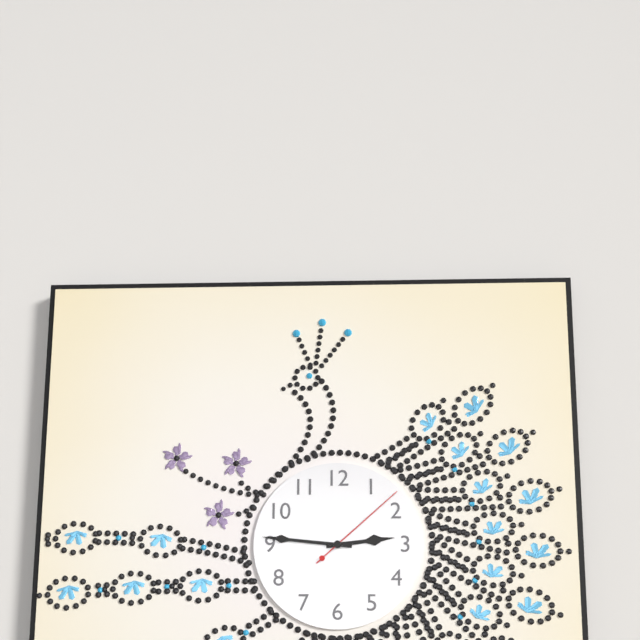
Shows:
2h46m08s
